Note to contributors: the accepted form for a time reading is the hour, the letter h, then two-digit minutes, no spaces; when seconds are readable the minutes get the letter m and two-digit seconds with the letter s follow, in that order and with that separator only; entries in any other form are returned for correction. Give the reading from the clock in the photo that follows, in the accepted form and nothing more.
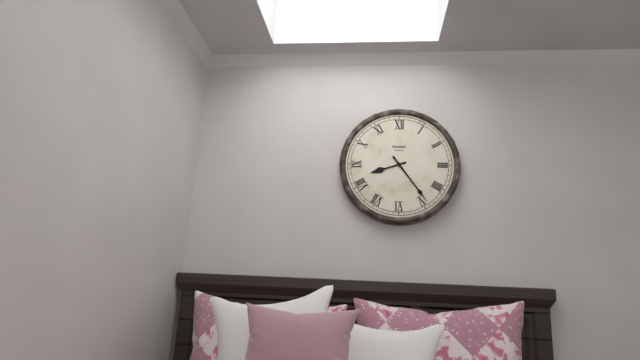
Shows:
8h24
